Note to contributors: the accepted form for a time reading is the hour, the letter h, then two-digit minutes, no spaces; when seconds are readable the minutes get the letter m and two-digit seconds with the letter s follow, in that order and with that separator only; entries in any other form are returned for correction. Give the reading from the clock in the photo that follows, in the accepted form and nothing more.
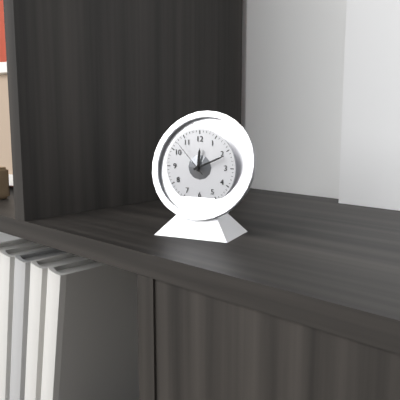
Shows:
12h11
